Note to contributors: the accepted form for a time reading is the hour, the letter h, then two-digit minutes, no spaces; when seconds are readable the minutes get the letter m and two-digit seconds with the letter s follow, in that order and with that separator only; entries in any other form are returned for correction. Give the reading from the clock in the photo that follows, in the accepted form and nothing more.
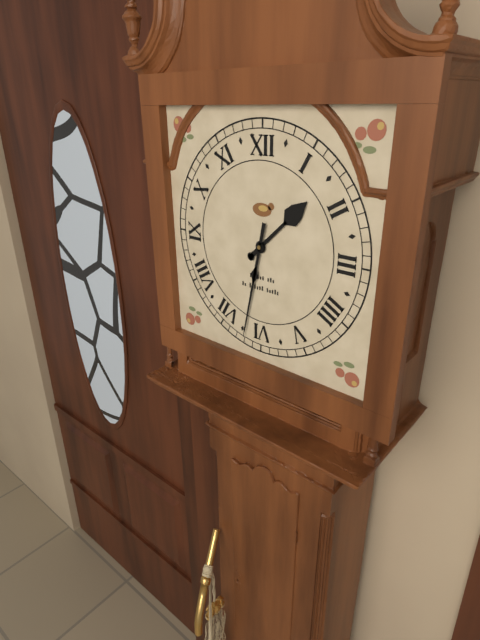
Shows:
1h32
